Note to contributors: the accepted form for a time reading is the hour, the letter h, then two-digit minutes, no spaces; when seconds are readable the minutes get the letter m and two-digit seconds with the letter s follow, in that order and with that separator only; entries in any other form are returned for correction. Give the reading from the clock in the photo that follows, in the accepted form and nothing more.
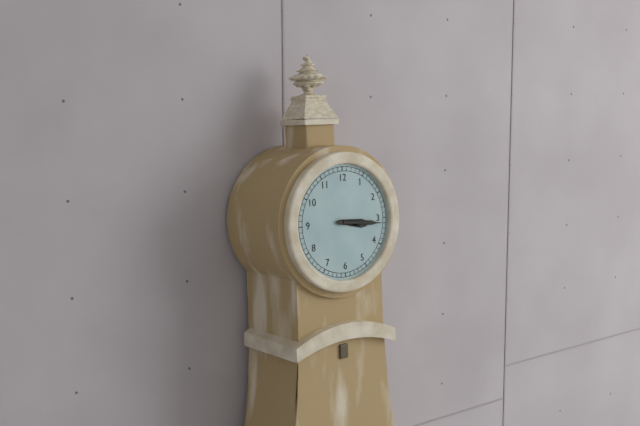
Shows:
3h16
